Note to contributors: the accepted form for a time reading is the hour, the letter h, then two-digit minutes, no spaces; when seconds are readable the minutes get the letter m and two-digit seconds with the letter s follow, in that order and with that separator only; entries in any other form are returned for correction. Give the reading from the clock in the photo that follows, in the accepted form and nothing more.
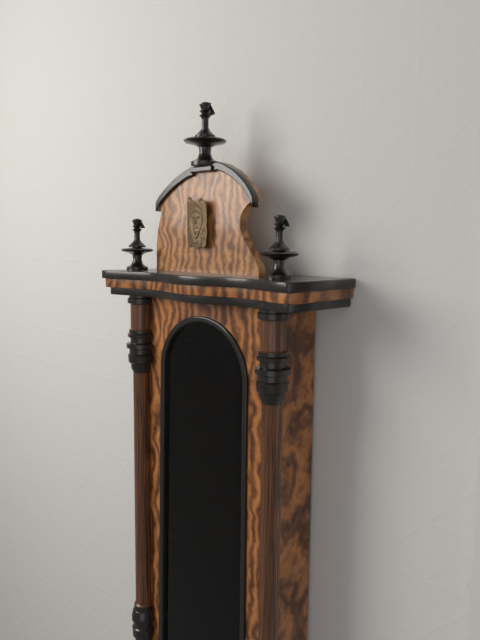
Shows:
8h27
